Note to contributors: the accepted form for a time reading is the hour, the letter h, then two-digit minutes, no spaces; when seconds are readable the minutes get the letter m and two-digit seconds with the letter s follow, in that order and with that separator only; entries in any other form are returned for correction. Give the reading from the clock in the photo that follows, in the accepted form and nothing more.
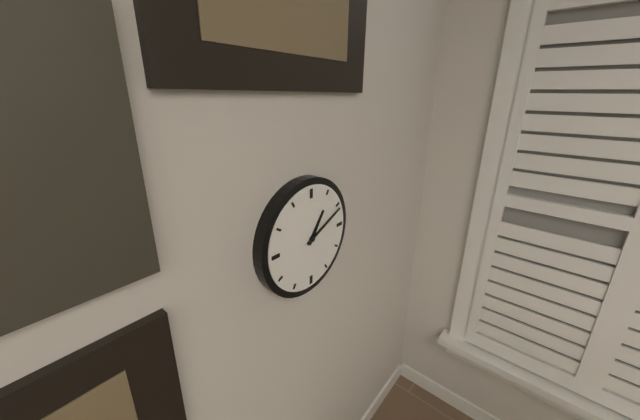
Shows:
1h11
